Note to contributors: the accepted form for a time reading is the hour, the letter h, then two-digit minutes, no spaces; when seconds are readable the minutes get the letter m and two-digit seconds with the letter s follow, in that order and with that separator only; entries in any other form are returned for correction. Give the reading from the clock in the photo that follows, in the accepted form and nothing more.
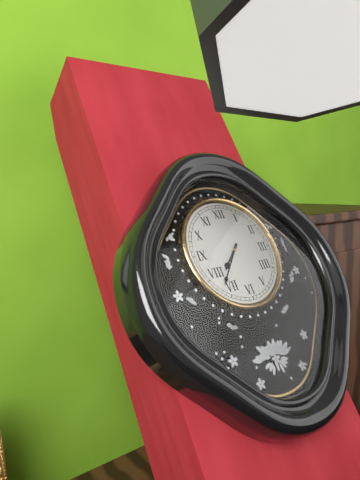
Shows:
7h37
